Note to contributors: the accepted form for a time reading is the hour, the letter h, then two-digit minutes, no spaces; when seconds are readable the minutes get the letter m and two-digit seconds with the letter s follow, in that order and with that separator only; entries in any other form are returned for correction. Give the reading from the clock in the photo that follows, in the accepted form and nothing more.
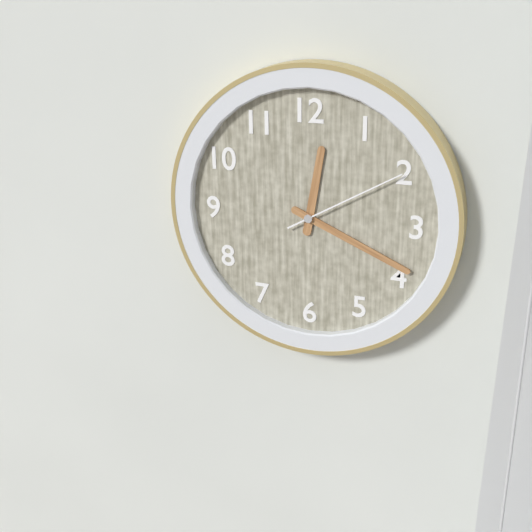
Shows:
12h19m10s
